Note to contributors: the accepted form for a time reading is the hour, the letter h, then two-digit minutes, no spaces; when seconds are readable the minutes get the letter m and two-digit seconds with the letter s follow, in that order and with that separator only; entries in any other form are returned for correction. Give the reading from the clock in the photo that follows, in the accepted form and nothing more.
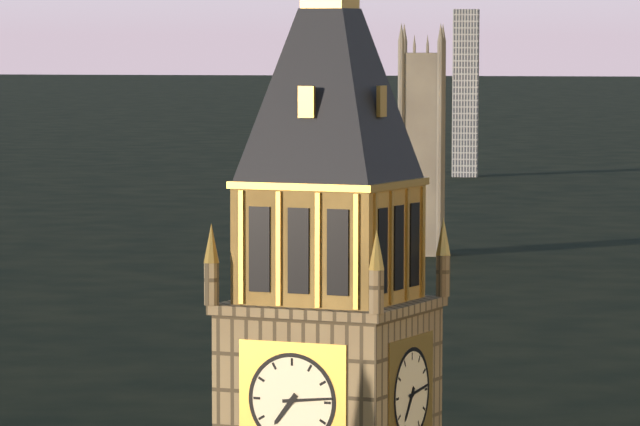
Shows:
7h14
